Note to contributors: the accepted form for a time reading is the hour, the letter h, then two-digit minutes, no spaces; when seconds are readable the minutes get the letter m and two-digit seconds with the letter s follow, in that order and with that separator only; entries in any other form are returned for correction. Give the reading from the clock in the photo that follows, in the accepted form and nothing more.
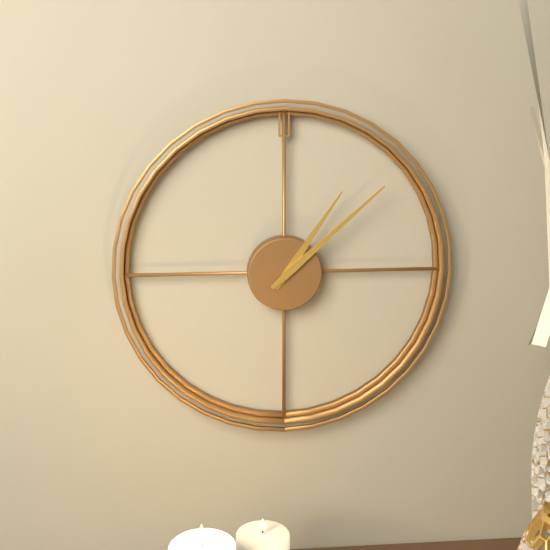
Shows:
1h08
